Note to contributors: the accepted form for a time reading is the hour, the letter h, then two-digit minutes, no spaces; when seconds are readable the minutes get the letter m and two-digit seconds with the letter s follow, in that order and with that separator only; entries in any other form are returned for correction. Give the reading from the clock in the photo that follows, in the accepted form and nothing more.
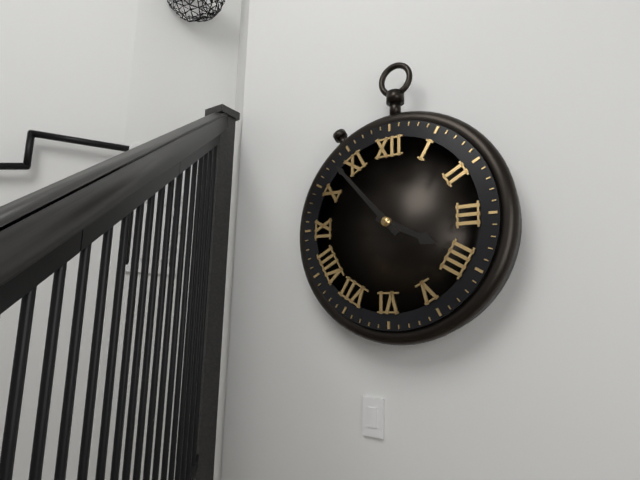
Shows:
3h53
